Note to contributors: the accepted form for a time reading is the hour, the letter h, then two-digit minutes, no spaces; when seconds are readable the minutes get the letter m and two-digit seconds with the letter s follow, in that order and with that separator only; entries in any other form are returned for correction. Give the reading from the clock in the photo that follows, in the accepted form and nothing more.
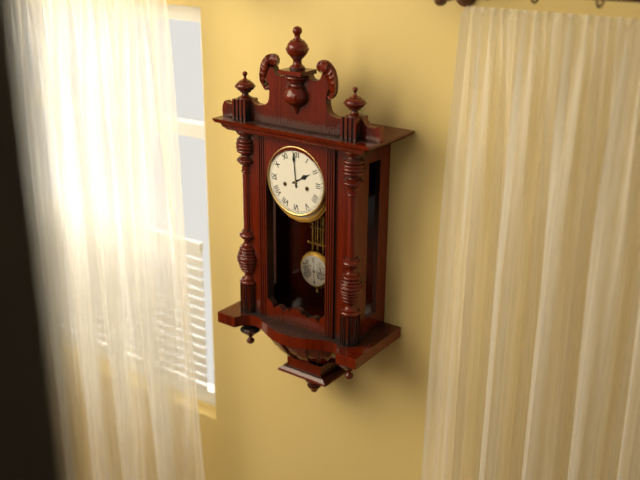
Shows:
1h59
